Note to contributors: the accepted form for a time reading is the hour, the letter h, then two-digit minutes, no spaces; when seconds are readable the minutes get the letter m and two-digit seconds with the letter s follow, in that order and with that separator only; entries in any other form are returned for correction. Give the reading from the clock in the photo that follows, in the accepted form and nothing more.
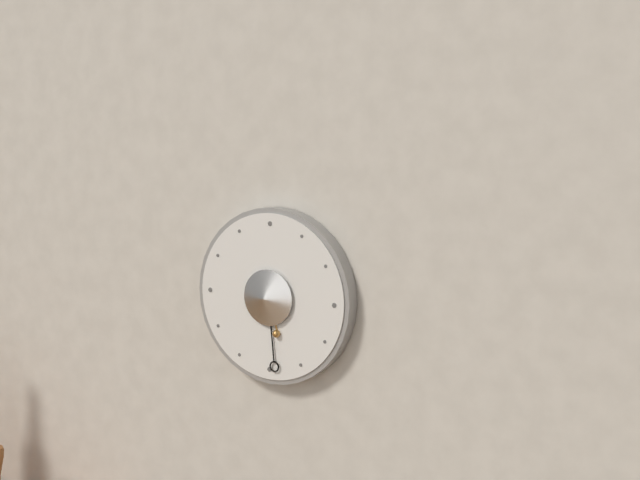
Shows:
5h29
